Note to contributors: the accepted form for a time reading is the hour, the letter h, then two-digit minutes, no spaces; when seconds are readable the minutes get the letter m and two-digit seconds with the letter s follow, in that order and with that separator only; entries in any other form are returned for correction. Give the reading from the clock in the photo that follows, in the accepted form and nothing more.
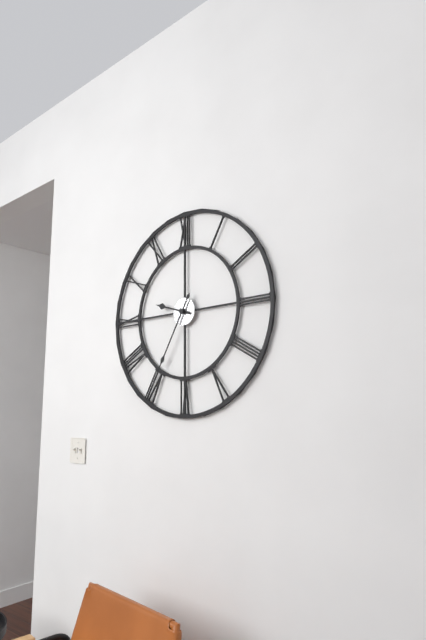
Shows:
9h35
